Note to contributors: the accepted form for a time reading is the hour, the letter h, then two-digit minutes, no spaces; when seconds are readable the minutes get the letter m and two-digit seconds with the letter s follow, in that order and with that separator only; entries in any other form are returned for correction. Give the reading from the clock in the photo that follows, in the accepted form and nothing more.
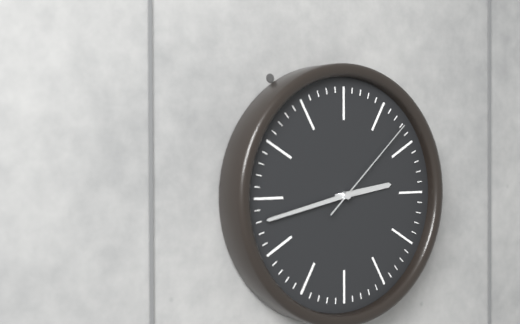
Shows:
2h43m08s
